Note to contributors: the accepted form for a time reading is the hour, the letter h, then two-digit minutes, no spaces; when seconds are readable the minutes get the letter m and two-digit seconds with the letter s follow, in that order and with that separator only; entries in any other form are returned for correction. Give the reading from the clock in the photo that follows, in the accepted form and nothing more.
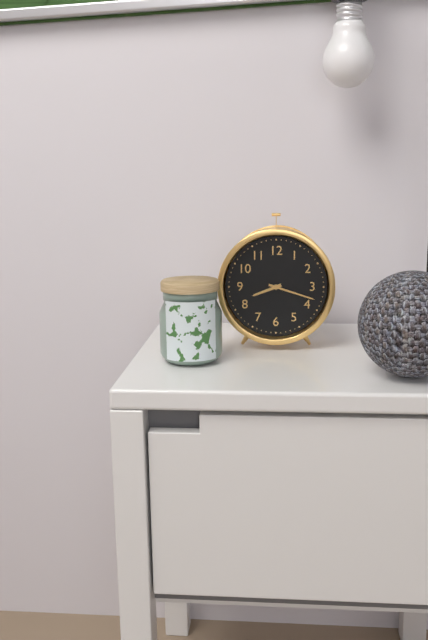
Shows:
8h18
